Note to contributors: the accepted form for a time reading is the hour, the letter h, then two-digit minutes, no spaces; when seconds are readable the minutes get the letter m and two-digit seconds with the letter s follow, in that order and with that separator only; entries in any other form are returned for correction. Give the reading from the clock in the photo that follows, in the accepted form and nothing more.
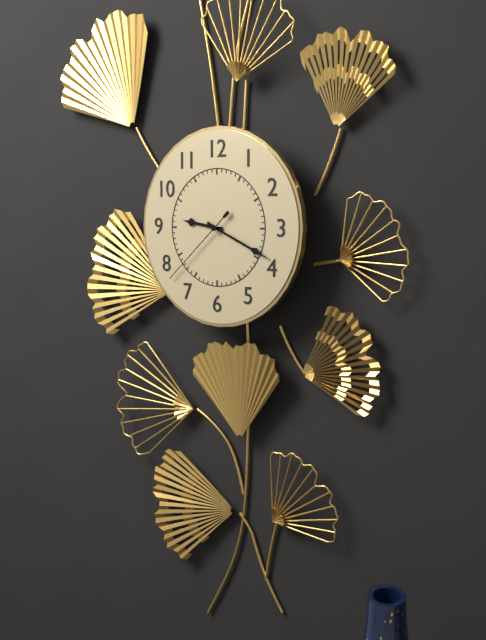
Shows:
9h19m38s
